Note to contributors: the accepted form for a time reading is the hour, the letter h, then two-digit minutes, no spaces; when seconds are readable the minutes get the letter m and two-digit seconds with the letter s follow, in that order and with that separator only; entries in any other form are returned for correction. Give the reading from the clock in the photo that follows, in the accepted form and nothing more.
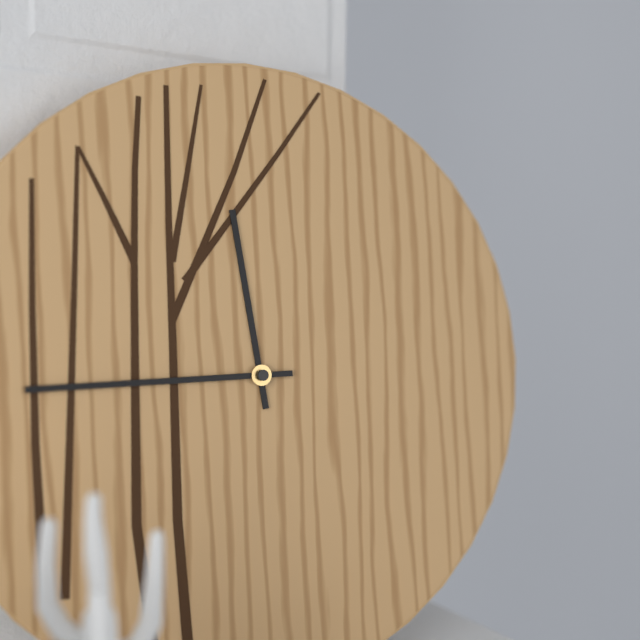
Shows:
11h45
